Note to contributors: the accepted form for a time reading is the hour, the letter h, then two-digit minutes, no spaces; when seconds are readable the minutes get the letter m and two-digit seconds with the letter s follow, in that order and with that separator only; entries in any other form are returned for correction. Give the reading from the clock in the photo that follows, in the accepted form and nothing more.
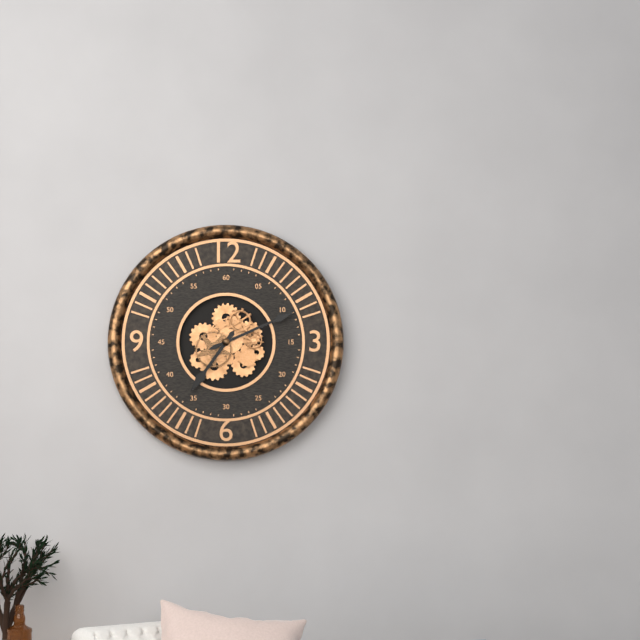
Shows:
7h11
